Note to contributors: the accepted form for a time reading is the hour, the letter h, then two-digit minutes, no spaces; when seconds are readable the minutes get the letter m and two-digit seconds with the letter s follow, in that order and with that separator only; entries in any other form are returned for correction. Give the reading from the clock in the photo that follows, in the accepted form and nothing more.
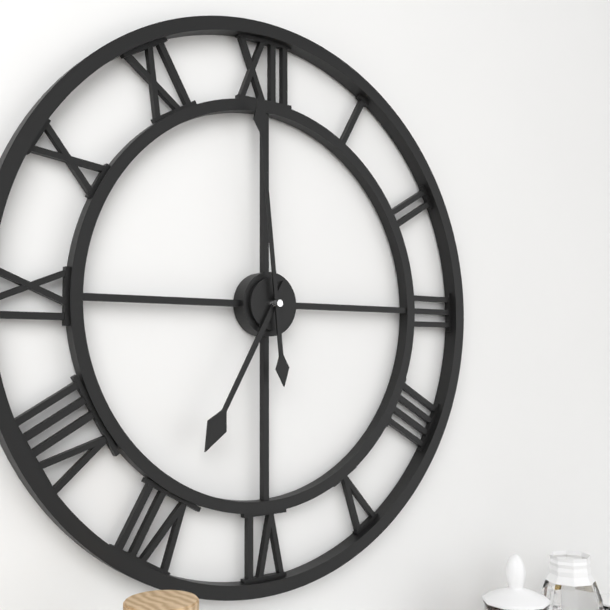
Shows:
6h59
